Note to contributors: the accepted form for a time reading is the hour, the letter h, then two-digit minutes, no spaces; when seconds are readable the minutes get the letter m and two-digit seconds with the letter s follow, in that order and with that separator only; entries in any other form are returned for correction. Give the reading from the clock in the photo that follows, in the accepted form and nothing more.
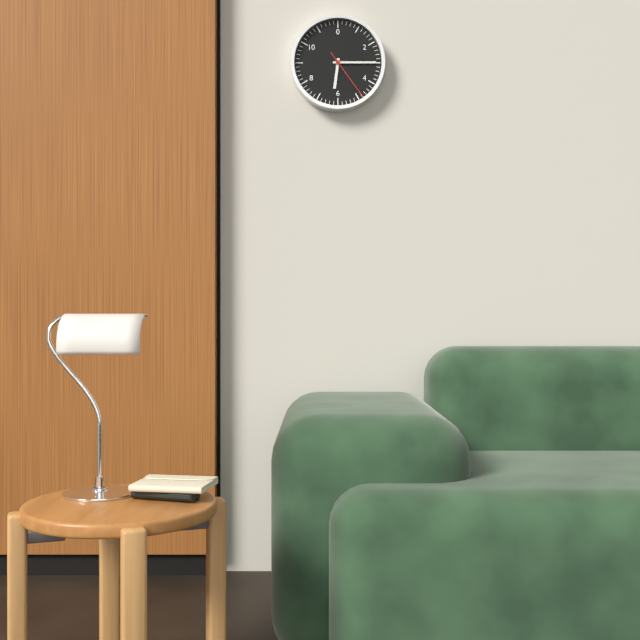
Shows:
6h15m24s
